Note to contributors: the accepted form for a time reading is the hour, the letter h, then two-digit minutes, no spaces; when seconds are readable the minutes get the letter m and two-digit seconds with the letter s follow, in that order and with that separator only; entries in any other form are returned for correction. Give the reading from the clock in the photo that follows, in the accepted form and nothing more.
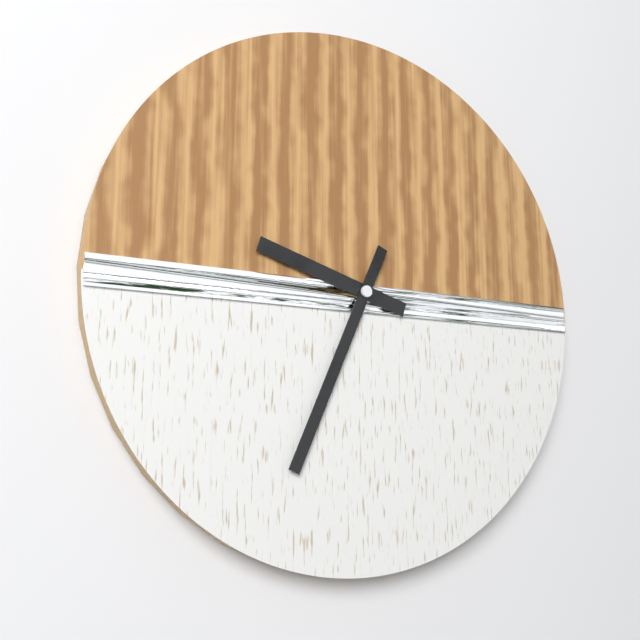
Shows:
9h34
